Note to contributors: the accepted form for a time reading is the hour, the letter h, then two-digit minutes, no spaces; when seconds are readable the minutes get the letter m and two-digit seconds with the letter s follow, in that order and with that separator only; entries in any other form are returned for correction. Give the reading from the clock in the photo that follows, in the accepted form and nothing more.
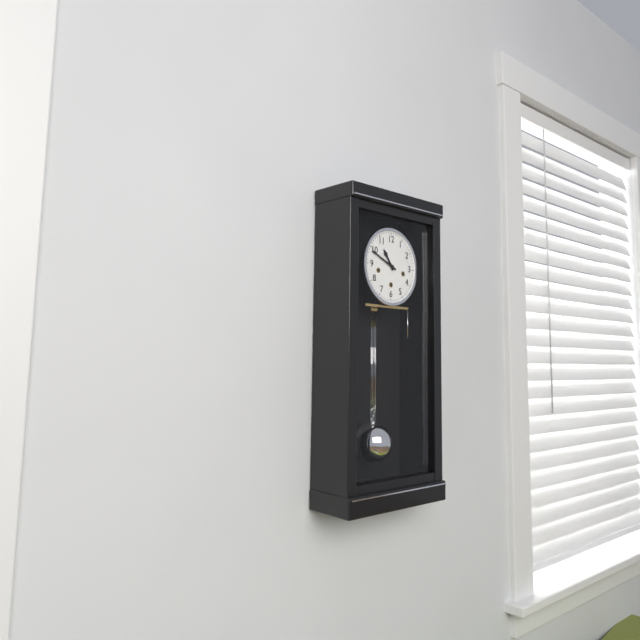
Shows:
10h49
